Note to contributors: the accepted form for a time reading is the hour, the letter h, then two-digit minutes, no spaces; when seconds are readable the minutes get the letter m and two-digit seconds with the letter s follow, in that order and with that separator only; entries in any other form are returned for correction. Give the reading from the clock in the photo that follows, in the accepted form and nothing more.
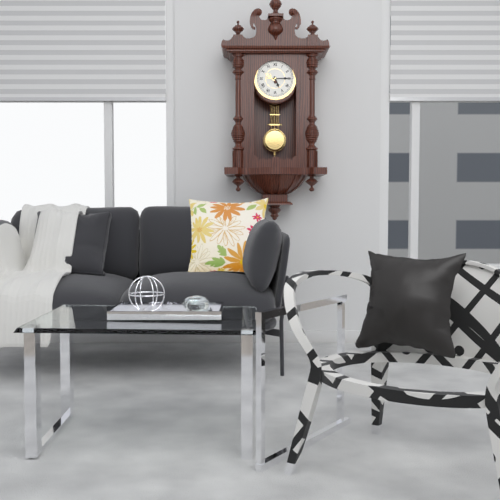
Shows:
5h15
